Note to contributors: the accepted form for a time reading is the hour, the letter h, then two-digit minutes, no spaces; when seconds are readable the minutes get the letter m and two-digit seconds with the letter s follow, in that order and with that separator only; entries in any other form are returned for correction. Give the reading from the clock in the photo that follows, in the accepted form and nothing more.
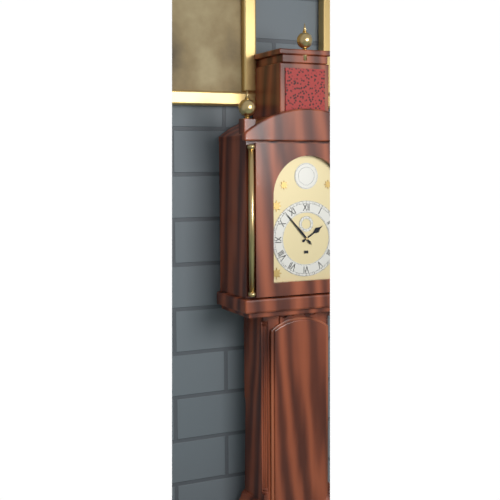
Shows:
1h53
